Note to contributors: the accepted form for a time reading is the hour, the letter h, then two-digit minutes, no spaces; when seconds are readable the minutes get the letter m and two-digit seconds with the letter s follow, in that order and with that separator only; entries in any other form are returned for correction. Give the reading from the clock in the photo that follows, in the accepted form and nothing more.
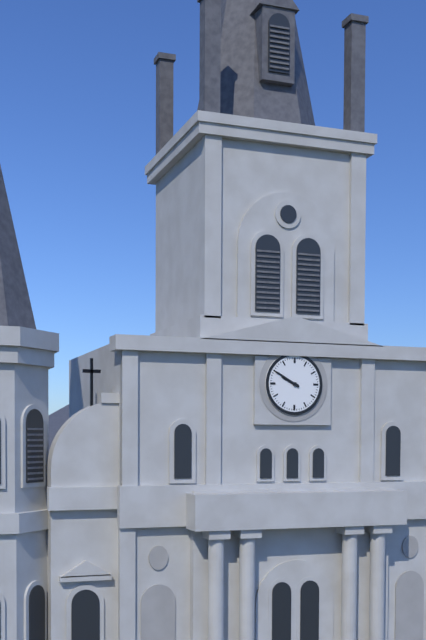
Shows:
9h50
